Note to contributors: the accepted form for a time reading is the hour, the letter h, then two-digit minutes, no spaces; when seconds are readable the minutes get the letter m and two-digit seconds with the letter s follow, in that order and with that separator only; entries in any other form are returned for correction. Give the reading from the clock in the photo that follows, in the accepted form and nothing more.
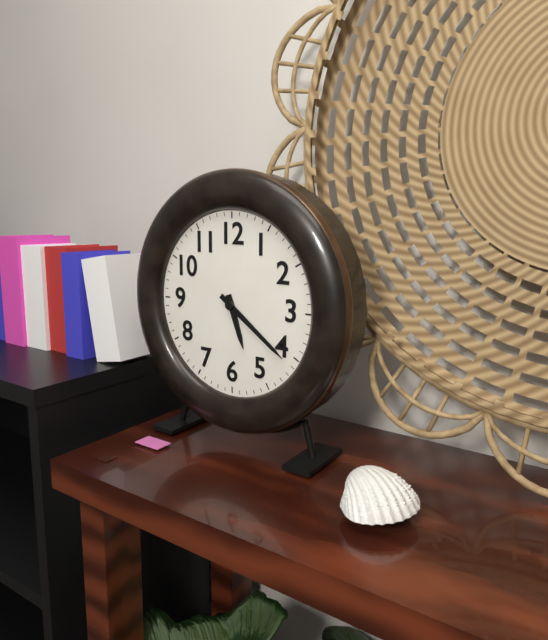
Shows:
5h21
